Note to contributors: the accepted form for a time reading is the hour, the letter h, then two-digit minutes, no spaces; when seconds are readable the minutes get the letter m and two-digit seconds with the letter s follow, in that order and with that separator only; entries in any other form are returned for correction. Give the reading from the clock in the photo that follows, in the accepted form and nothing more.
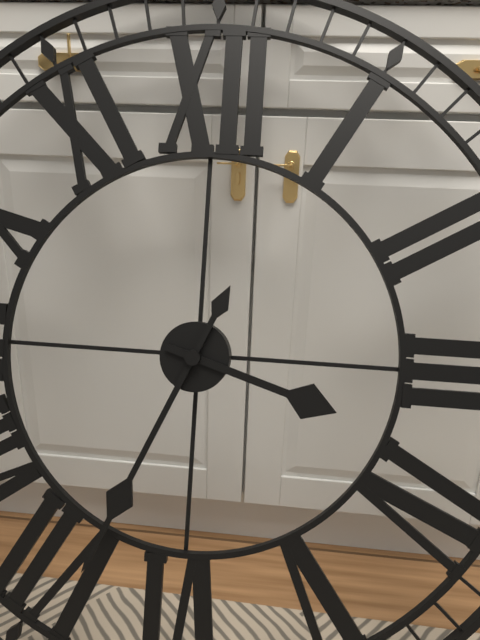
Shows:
3h34
